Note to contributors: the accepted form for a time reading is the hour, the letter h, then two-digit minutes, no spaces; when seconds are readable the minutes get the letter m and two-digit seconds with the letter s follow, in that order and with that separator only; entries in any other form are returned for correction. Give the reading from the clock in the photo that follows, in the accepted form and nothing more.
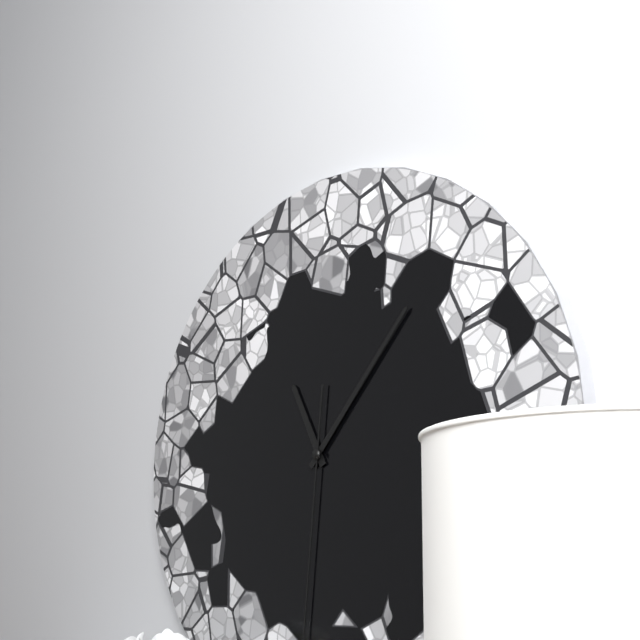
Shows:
11h07
